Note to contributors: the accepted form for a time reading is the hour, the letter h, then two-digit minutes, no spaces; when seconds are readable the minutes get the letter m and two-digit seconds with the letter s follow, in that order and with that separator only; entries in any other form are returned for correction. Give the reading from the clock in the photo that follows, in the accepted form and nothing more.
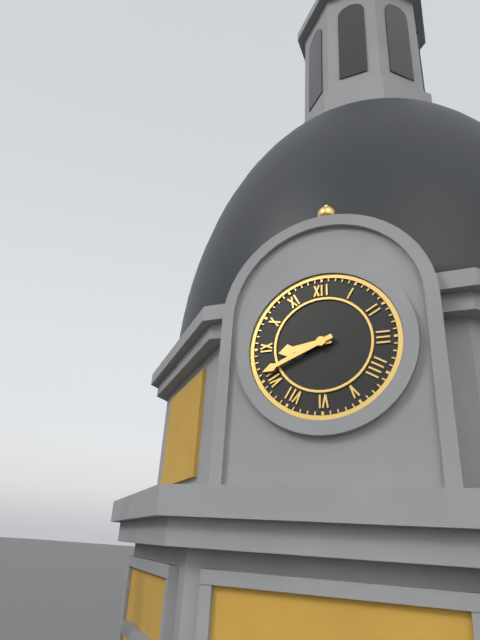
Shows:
8h41
